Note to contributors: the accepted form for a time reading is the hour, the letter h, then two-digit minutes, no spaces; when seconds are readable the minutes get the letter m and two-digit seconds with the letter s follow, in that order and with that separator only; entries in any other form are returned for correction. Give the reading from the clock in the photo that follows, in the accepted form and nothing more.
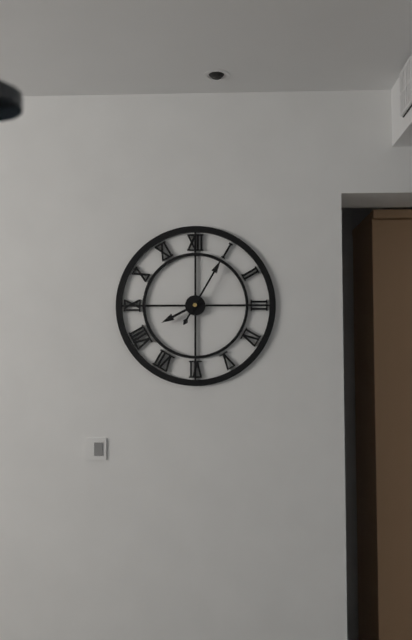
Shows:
8h05
